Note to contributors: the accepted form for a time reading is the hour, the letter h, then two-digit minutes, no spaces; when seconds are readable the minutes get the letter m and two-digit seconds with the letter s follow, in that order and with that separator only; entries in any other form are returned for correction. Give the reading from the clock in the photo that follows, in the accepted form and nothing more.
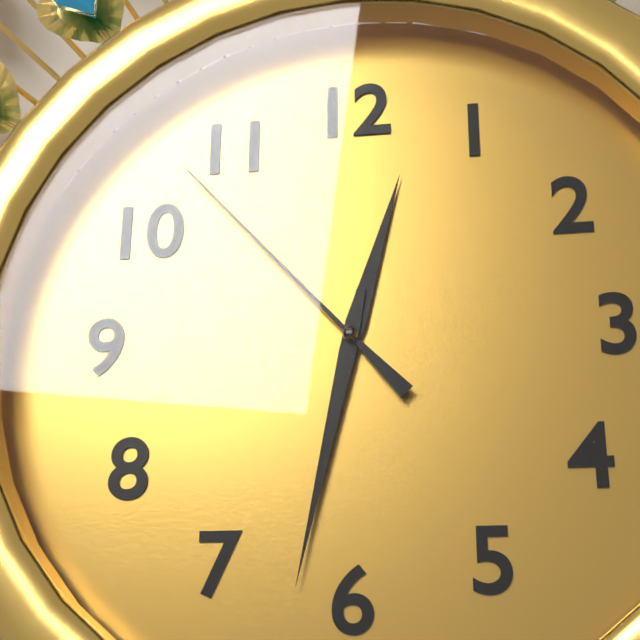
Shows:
12h32m53s
